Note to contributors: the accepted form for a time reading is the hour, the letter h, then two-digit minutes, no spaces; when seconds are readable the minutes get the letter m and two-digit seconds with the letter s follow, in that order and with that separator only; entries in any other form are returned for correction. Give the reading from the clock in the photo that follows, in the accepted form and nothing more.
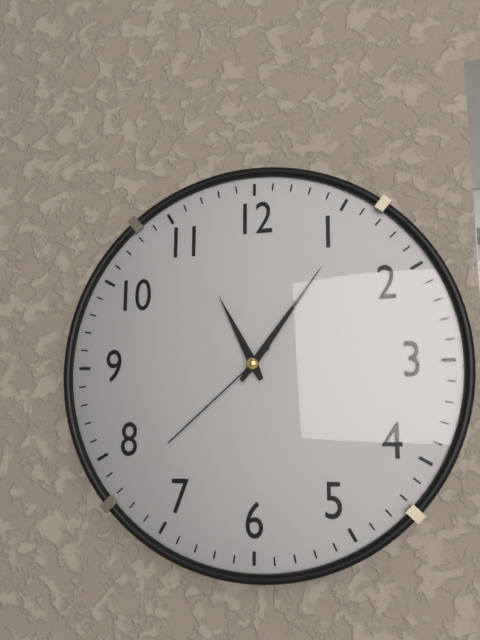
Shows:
11h06m38s
